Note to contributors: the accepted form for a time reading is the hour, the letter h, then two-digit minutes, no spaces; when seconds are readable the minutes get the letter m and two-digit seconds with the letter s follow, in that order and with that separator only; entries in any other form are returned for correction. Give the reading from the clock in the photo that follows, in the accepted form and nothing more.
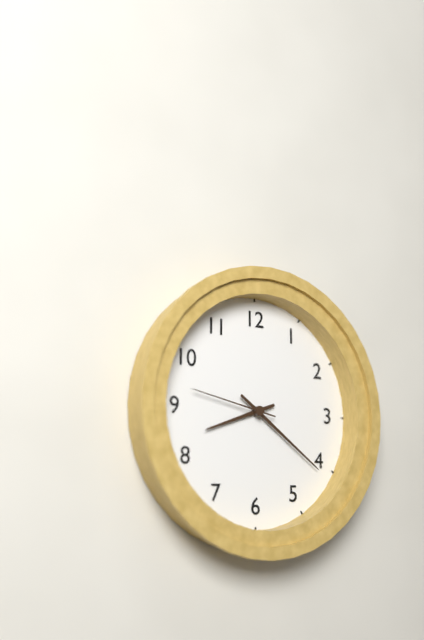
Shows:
8h21m47s
